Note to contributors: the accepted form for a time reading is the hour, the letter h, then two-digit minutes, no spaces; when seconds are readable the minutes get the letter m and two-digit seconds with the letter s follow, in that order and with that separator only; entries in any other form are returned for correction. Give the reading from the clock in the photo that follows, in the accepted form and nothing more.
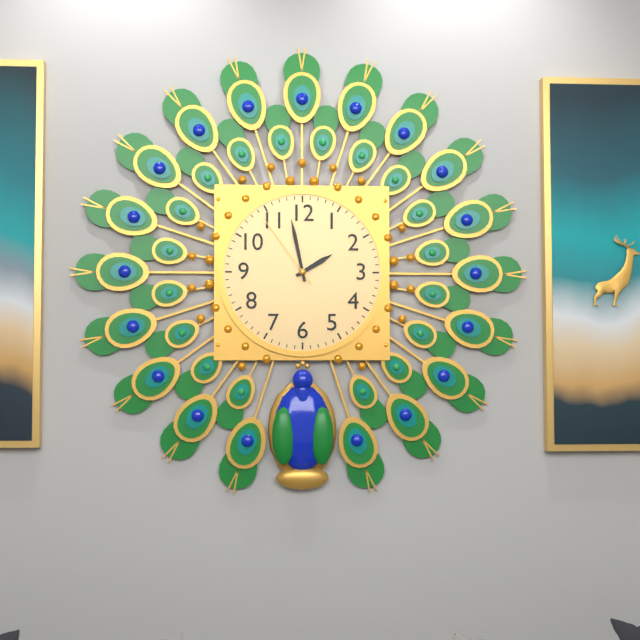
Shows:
1h58m54s
